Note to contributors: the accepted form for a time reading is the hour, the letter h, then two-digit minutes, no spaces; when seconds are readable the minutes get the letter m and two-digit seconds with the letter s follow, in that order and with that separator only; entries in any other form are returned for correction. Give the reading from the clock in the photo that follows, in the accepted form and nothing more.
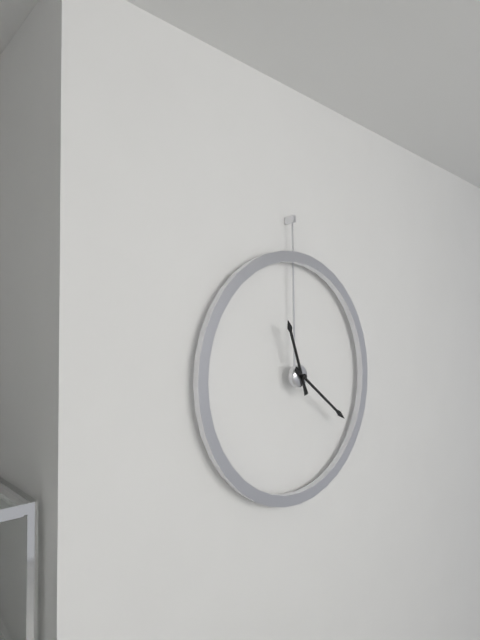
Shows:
11h21
